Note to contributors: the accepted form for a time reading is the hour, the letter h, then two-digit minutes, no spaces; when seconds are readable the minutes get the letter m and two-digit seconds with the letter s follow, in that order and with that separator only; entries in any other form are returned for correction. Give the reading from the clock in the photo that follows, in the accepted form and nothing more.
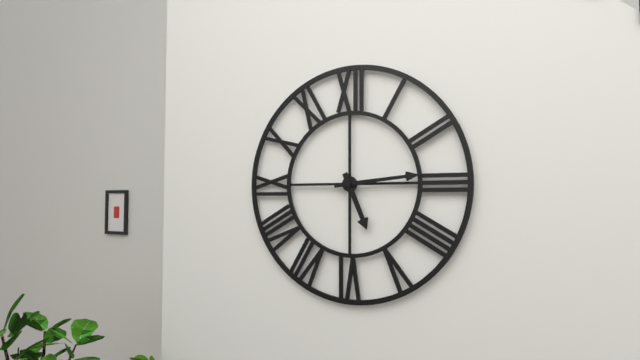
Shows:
5h14
